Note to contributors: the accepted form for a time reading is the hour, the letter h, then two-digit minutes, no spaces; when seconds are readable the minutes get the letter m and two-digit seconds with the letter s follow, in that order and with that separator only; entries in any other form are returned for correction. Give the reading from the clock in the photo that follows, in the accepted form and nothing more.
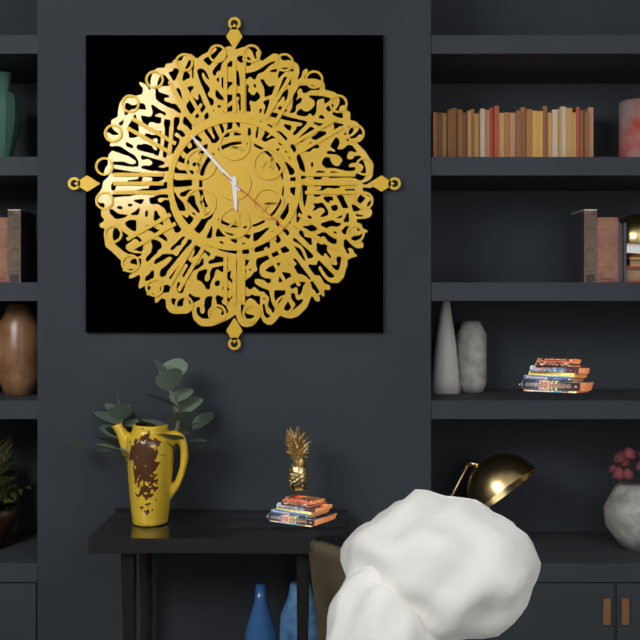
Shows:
5h53m22s
